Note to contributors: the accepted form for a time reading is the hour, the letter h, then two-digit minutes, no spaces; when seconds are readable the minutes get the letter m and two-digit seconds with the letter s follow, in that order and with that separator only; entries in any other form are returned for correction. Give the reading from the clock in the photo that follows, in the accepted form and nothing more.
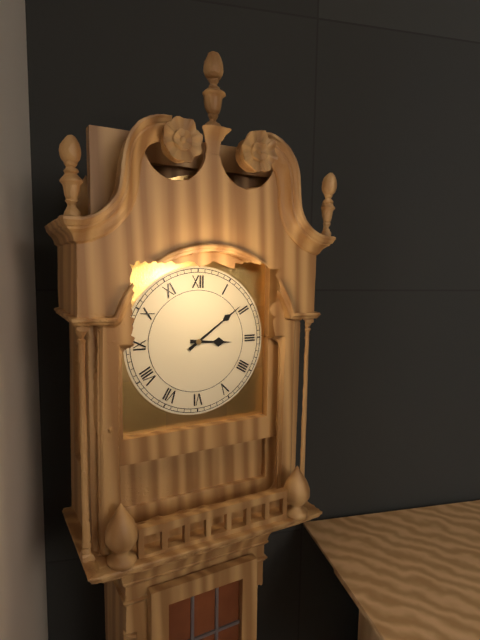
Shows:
3h09
